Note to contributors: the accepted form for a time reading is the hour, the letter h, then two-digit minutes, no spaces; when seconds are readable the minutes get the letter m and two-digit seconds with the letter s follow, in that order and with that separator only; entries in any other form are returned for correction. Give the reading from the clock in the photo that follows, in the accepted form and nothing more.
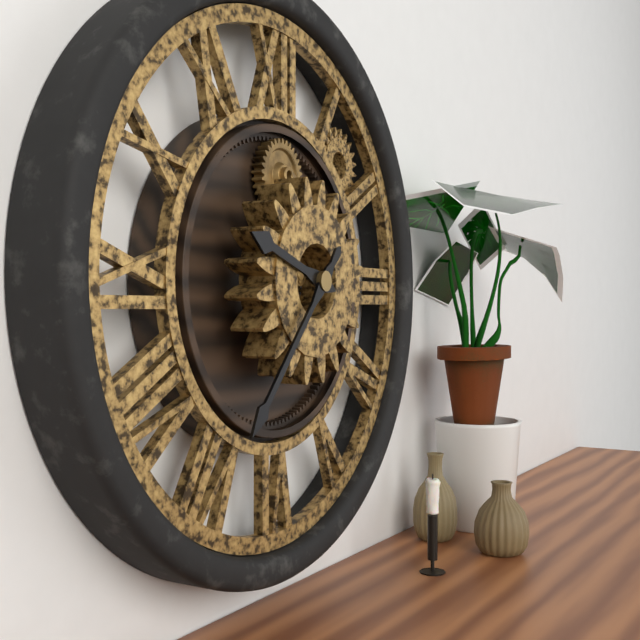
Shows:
9h37
